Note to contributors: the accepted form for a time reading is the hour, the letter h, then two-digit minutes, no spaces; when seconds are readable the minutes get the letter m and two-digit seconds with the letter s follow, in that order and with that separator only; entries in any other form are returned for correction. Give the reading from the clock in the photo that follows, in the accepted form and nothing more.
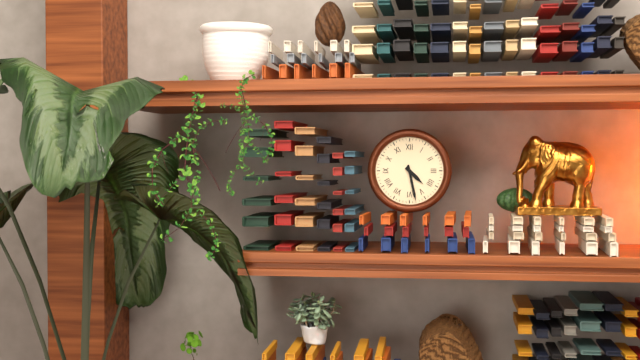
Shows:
4h28
